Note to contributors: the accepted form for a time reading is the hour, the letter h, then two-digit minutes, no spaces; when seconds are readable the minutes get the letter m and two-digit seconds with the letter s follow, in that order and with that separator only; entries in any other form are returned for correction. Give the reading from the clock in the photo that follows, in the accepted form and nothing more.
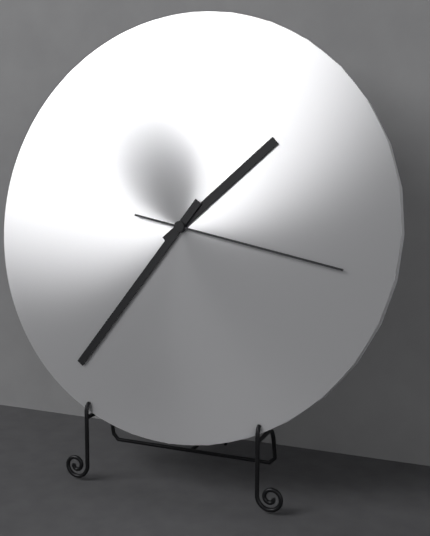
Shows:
1h36m17s
